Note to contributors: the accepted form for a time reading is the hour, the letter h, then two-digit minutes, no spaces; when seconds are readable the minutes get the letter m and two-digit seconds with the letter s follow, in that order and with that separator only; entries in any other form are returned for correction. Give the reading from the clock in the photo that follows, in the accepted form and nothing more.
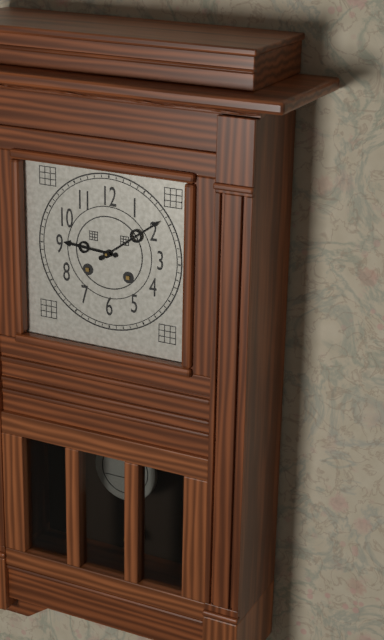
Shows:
9h09
